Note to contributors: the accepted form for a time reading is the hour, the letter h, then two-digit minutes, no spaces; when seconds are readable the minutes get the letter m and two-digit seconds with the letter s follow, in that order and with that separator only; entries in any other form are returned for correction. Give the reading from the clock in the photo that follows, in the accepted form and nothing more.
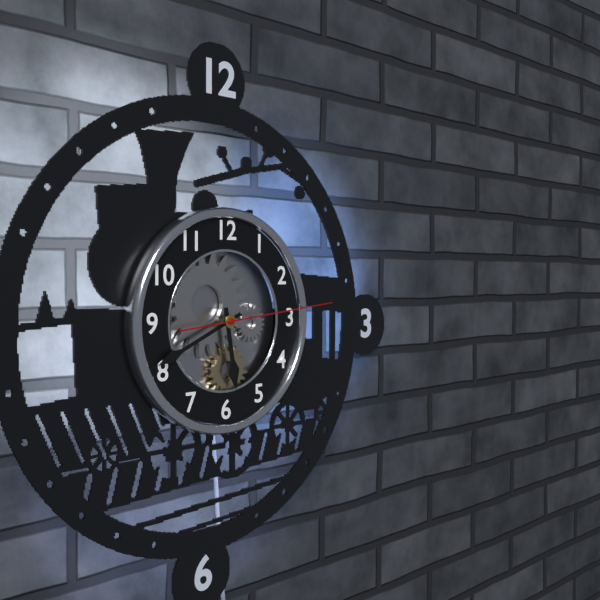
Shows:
5h41m14s
